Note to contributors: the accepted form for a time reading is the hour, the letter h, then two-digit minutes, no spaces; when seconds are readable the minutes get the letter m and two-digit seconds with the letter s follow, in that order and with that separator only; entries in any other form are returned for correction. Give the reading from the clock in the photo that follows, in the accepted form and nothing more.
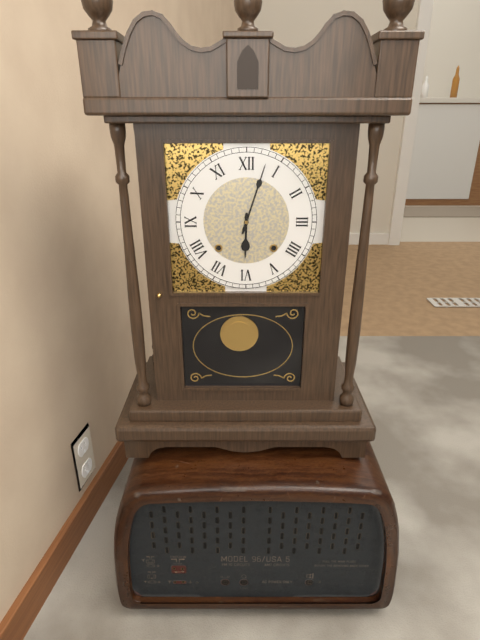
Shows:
6h03
